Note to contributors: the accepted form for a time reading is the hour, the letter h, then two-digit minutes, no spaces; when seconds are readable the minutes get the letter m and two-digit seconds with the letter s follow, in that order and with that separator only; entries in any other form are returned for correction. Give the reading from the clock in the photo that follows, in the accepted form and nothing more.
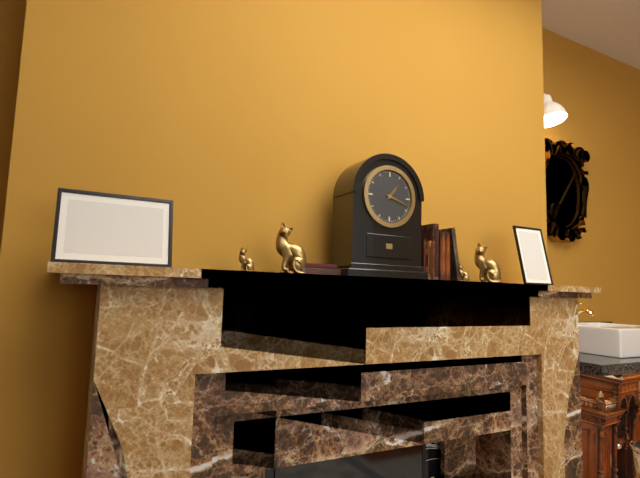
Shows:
1h18
